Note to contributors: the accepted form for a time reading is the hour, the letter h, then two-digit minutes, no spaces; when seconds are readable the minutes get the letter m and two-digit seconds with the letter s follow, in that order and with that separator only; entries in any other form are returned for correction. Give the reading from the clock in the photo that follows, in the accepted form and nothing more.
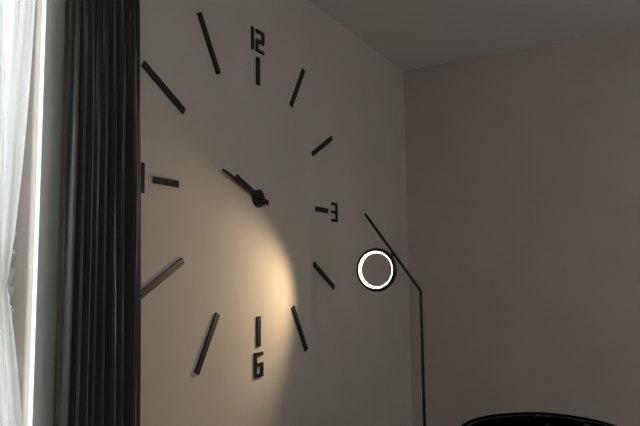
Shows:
9h48
